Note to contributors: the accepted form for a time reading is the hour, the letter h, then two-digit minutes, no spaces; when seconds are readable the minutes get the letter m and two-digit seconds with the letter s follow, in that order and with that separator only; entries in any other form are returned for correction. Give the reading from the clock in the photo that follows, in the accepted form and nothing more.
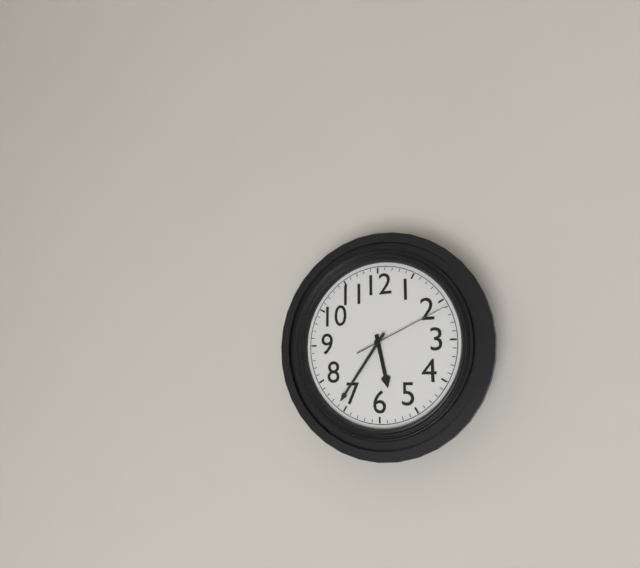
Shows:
5h36m11s
